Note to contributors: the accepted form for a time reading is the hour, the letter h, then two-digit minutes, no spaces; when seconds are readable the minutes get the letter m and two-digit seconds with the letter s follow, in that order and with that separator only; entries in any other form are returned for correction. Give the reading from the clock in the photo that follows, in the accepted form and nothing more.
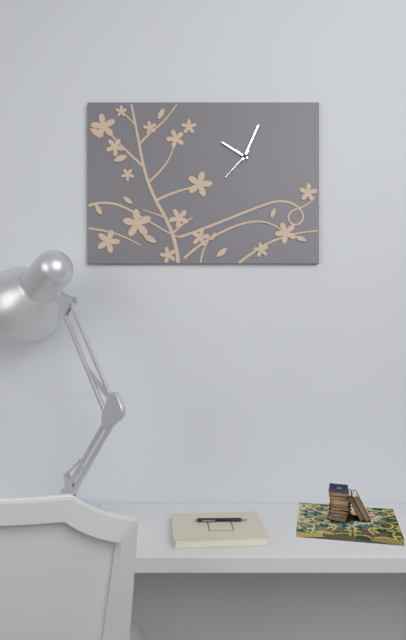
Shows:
10h04
